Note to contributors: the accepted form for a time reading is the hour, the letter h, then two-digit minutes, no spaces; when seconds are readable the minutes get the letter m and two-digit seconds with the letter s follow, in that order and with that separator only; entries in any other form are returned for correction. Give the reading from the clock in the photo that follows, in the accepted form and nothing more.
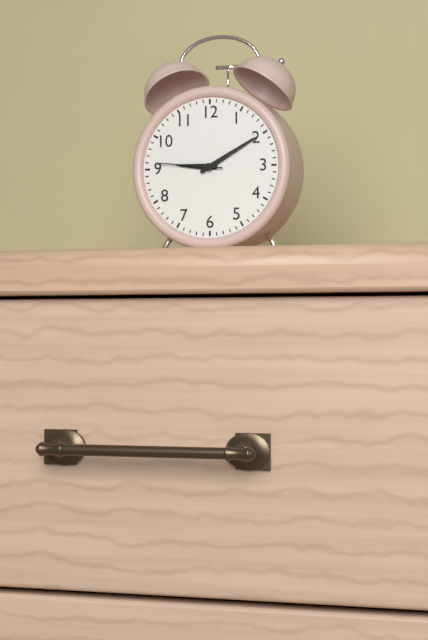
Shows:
9h10m46s
